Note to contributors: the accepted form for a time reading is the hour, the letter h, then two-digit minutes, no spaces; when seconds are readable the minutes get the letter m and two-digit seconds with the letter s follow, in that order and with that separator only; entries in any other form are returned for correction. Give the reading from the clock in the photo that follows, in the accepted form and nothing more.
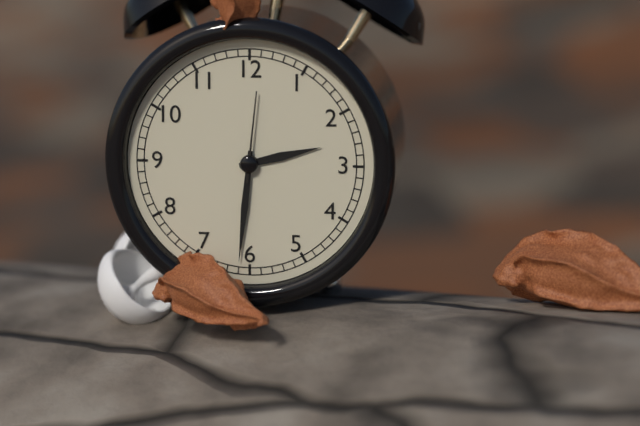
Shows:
2h31m01s
